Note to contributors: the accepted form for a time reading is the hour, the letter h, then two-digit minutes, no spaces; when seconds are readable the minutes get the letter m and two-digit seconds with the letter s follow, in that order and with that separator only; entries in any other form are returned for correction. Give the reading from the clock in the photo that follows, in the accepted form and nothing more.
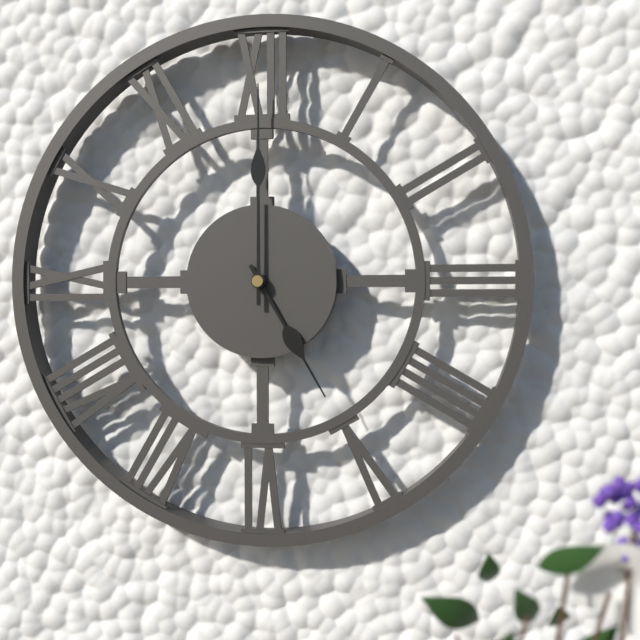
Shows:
5h00
